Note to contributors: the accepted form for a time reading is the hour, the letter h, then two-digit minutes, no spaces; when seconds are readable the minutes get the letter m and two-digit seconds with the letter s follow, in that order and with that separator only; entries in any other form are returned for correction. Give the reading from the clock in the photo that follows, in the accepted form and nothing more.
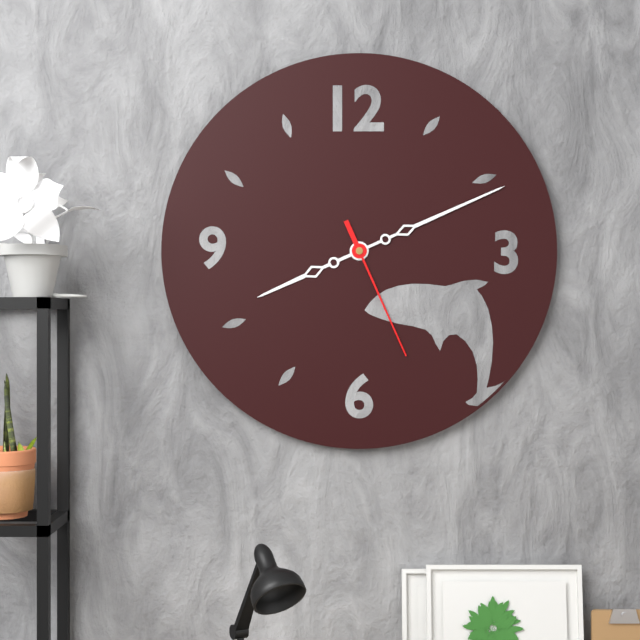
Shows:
8h11m26s
